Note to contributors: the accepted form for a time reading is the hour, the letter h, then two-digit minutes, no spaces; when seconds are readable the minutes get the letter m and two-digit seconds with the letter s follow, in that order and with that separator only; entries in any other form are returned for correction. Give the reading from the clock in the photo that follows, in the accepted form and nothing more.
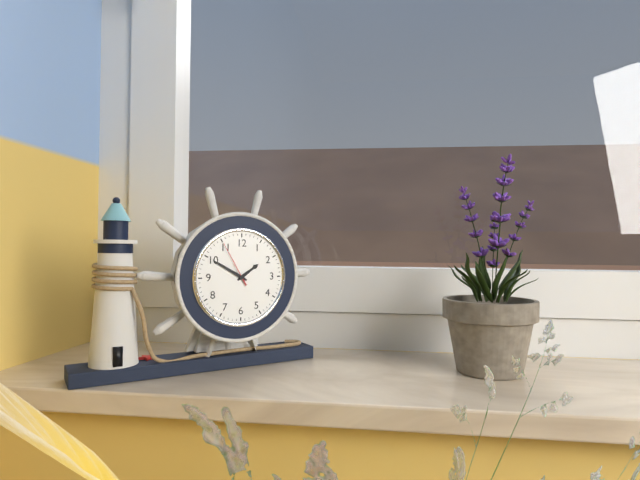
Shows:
1h50
